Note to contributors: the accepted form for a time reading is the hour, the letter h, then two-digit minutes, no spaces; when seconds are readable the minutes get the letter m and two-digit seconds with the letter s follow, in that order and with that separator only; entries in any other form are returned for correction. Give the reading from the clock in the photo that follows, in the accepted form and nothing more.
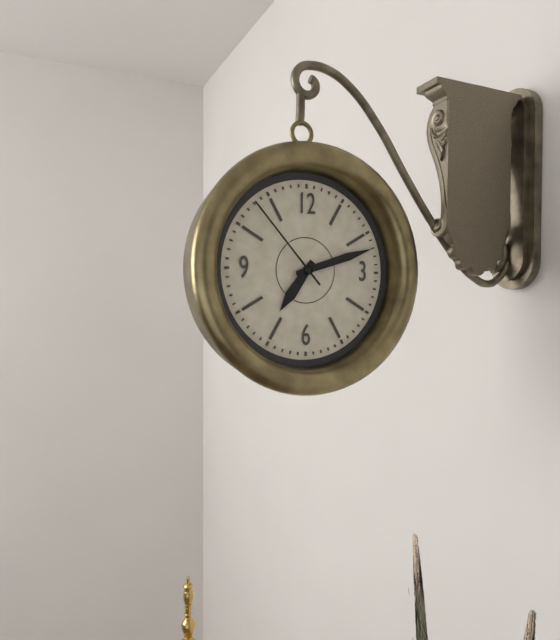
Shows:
7h12m53s
